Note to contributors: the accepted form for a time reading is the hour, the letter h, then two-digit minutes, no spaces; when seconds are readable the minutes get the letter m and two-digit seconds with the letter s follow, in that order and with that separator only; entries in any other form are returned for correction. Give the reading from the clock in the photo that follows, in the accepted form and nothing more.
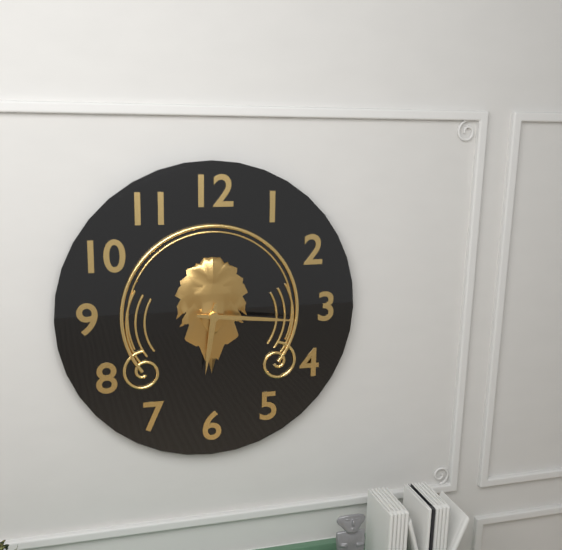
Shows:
6h16
